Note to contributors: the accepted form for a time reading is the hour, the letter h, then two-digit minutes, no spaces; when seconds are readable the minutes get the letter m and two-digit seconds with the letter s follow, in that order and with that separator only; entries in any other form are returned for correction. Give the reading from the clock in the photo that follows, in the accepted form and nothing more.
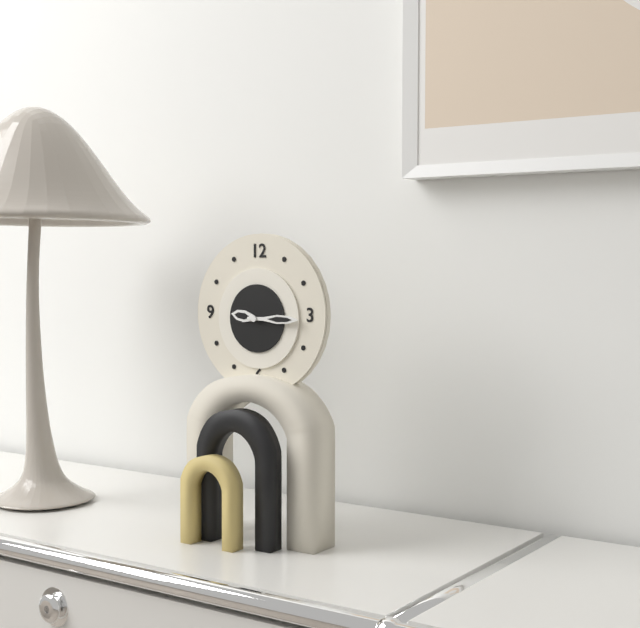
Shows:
9h15
